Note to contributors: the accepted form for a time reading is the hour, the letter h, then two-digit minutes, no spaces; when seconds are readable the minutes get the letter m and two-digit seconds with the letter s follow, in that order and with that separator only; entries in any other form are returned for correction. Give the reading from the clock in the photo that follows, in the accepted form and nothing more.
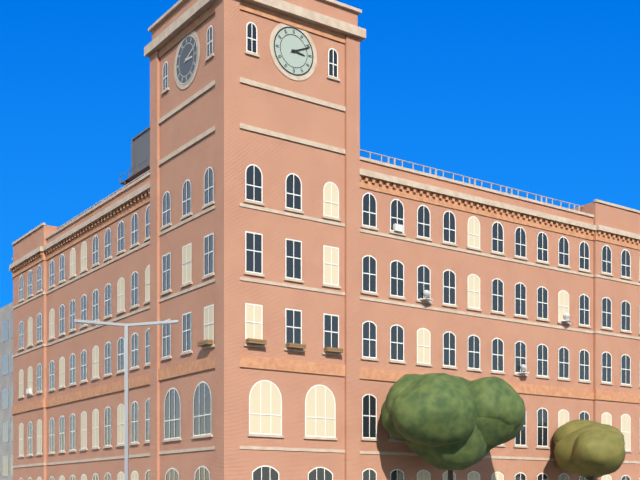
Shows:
3h11
